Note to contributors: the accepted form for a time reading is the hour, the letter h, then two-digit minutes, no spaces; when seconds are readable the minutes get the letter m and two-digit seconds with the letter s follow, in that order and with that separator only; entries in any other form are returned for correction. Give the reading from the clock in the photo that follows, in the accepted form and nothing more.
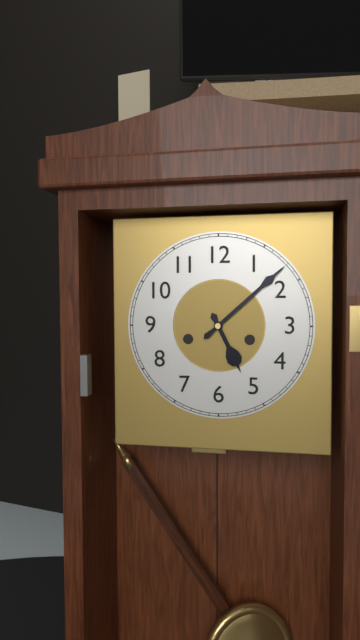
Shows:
5h08
